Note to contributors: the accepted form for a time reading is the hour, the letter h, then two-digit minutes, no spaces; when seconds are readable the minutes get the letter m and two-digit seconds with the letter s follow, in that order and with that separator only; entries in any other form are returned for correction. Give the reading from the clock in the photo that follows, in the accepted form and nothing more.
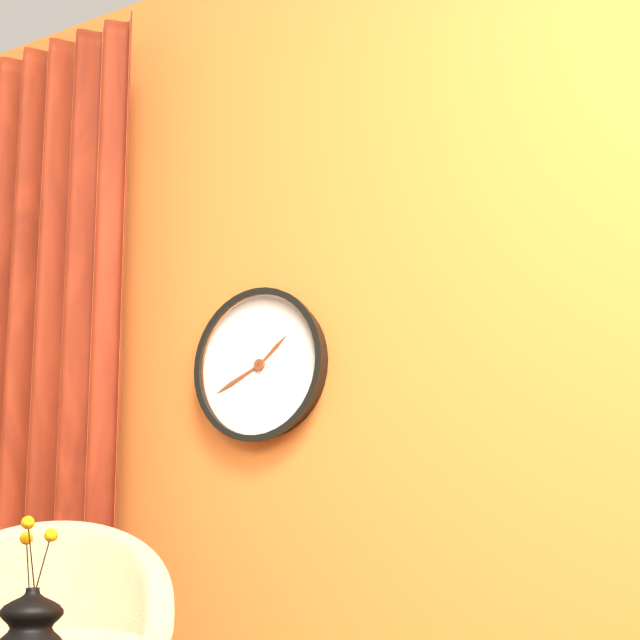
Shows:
1h41
